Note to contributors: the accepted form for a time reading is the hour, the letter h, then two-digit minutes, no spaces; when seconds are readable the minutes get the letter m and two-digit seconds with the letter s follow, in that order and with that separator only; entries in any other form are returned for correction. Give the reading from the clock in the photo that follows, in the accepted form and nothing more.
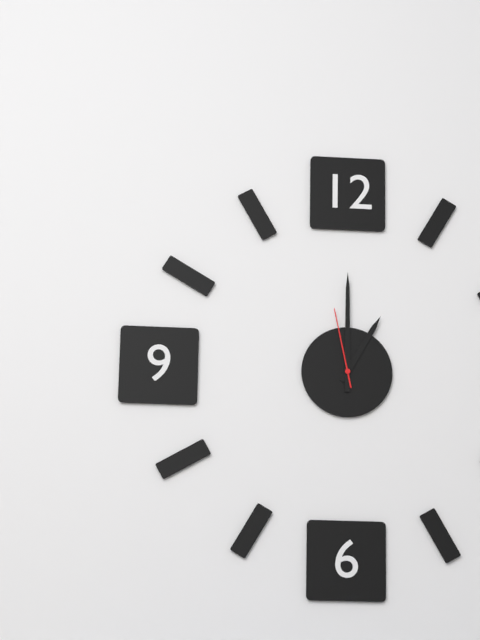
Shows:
1h00m58s
